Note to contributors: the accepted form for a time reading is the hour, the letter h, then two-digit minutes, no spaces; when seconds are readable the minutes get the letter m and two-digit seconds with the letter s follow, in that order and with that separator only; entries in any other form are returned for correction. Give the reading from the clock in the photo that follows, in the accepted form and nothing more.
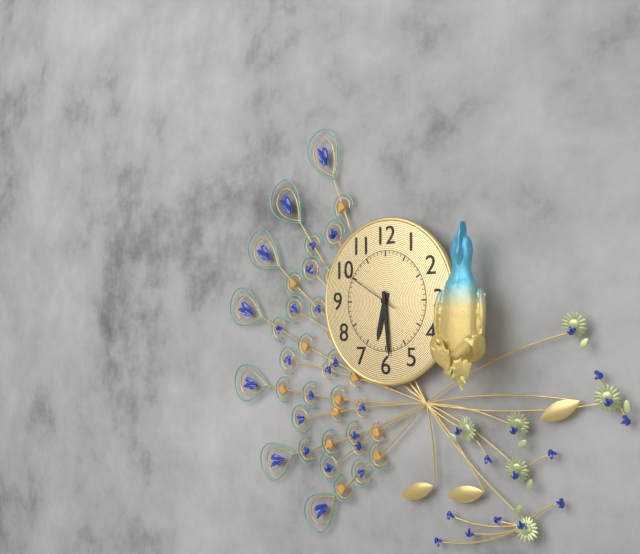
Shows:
6h29m50s
